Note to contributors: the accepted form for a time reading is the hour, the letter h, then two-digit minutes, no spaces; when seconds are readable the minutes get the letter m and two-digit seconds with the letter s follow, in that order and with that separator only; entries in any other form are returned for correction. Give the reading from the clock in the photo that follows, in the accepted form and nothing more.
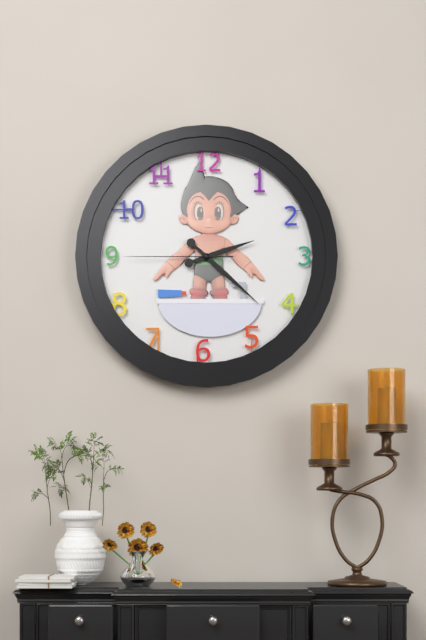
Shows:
2h22m45s
